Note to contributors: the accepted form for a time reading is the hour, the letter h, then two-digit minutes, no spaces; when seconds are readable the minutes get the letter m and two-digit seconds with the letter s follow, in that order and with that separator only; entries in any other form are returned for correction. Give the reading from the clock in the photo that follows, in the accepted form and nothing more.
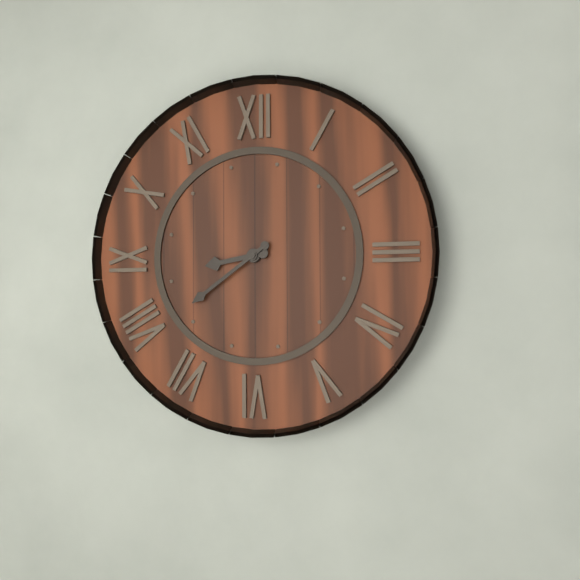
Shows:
8h39
